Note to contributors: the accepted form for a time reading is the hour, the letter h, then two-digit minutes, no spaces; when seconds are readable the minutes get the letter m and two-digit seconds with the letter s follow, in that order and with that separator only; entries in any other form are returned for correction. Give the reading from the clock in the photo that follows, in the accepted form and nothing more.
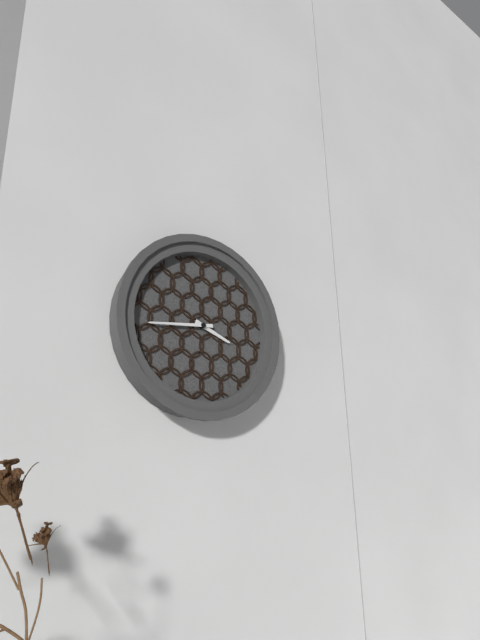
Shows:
3h44
